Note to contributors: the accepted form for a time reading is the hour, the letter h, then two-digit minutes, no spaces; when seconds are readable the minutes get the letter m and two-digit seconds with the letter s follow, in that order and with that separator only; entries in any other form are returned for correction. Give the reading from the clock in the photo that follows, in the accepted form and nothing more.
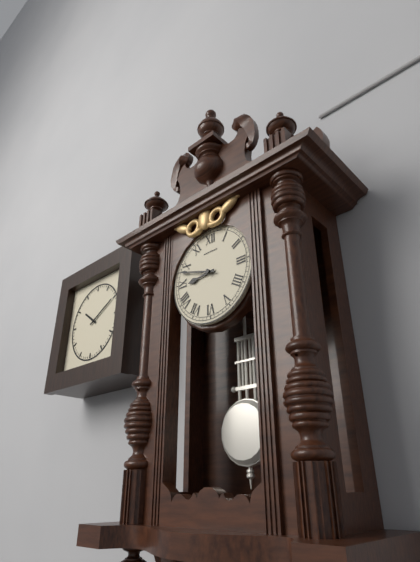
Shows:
8h48
